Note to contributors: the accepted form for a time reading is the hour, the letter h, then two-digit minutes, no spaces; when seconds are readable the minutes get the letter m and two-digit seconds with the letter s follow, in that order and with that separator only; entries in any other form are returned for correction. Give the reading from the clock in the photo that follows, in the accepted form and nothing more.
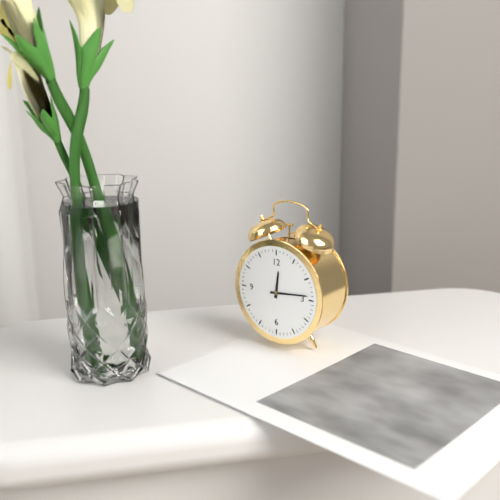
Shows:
12h14
